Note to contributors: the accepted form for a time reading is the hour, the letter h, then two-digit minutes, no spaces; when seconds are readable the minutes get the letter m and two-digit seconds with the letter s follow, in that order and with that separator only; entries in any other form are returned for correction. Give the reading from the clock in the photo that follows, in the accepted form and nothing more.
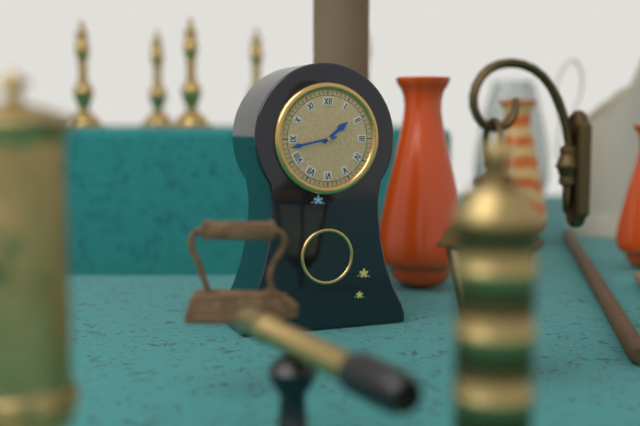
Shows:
1h43
